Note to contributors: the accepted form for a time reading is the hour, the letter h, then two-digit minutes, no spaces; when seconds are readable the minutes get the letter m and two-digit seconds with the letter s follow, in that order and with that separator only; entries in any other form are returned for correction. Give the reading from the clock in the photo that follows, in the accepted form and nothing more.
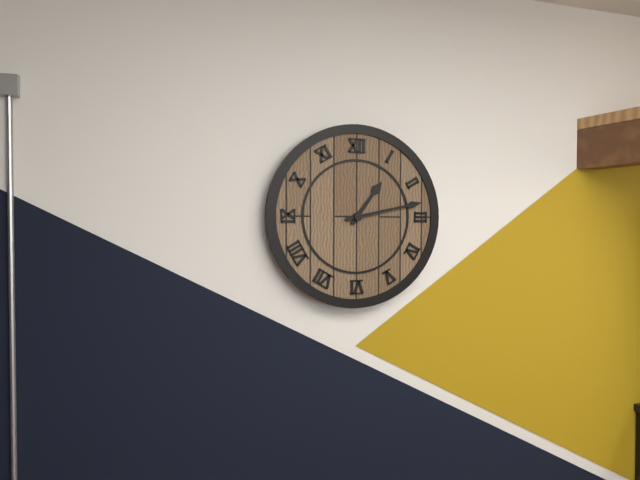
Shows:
1h13
